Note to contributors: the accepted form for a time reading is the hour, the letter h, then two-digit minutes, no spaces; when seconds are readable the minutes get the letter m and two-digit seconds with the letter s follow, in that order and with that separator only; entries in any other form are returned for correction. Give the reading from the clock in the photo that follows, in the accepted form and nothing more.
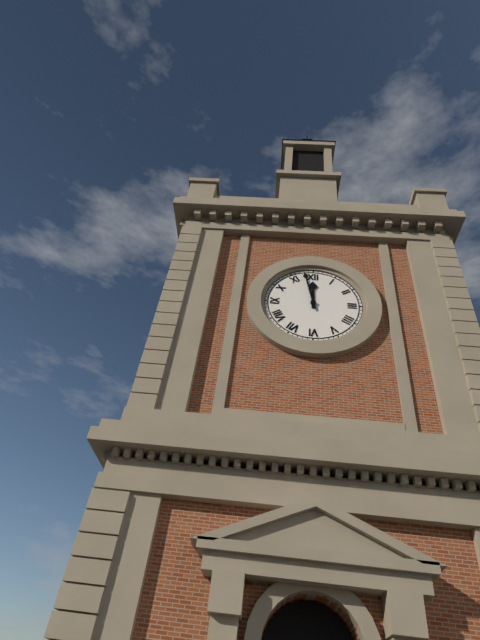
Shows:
11h58
